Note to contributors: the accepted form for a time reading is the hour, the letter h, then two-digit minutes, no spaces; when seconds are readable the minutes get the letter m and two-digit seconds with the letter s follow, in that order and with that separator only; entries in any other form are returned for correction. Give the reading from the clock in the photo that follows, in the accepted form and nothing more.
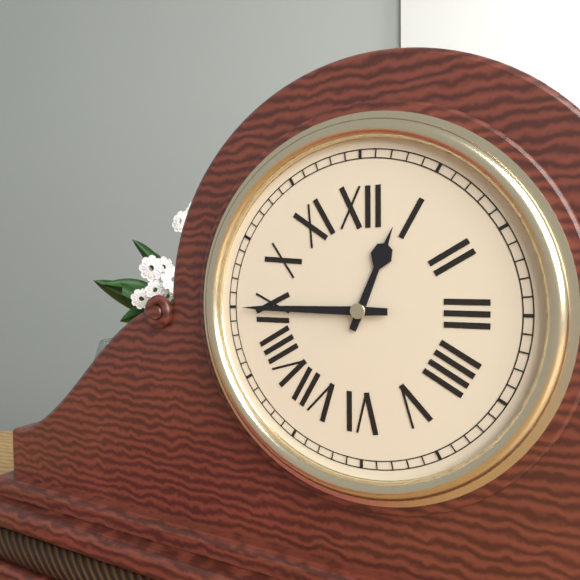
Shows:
12h45
